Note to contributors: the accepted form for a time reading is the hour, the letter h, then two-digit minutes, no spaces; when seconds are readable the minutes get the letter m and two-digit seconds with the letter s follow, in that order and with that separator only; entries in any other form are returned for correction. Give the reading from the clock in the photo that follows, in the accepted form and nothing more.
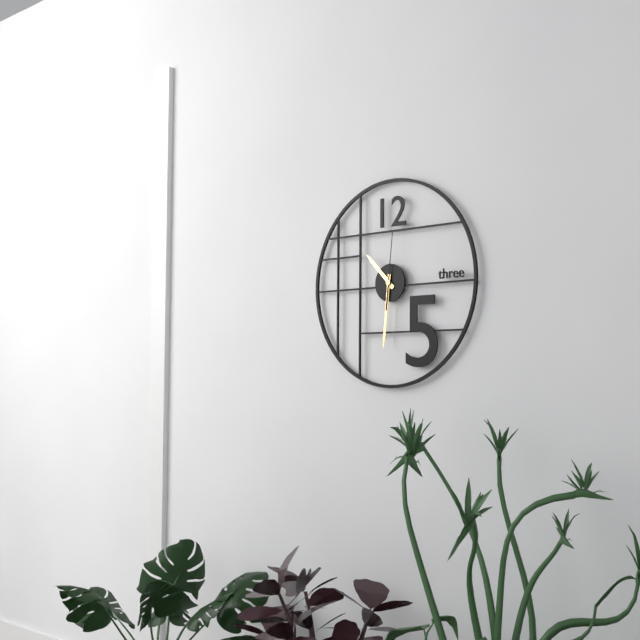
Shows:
10h31m01s
